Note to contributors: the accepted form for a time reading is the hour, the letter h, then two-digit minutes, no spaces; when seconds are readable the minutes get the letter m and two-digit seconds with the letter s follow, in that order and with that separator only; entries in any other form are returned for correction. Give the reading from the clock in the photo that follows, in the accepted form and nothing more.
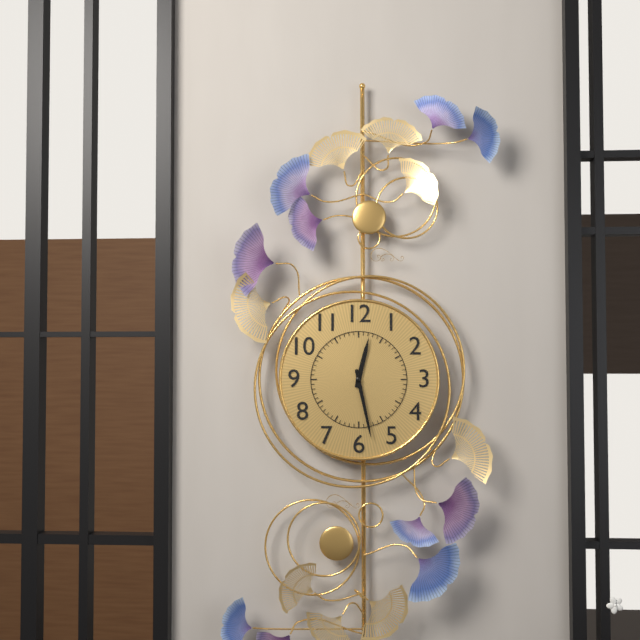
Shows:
12h28
